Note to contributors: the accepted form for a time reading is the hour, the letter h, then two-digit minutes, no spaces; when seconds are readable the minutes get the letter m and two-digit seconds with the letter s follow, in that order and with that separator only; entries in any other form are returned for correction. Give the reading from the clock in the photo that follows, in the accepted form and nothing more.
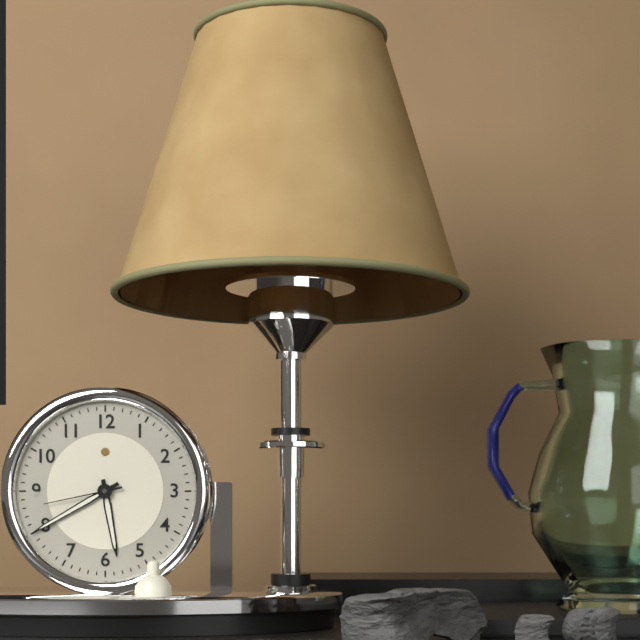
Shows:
5h40m43s
